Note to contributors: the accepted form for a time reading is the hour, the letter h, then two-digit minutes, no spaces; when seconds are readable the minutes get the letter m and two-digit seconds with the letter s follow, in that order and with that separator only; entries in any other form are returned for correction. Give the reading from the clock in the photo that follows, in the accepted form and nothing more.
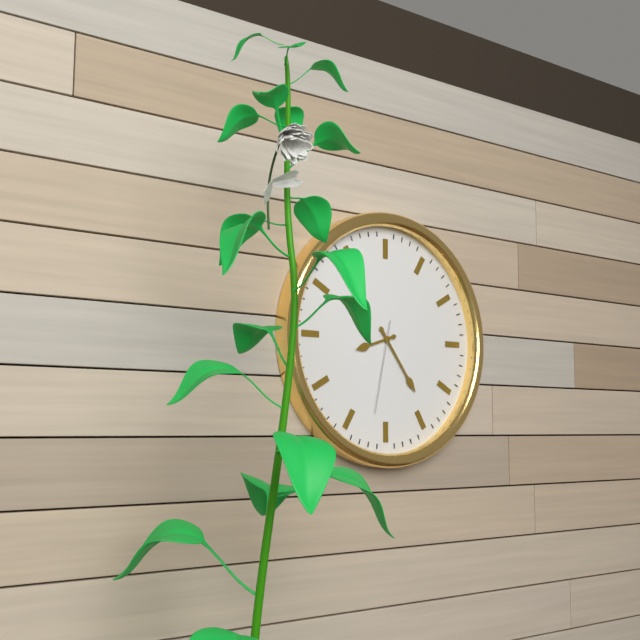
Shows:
8h24m32s
